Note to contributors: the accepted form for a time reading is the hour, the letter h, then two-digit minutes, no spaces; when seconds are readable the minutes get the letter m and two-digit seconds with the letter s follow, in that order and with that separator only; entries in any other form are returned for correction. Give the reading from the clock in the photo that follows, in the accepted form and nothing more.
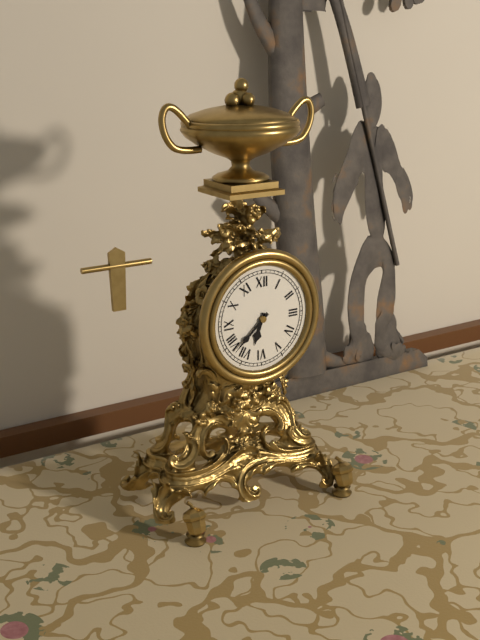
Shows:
6h38
